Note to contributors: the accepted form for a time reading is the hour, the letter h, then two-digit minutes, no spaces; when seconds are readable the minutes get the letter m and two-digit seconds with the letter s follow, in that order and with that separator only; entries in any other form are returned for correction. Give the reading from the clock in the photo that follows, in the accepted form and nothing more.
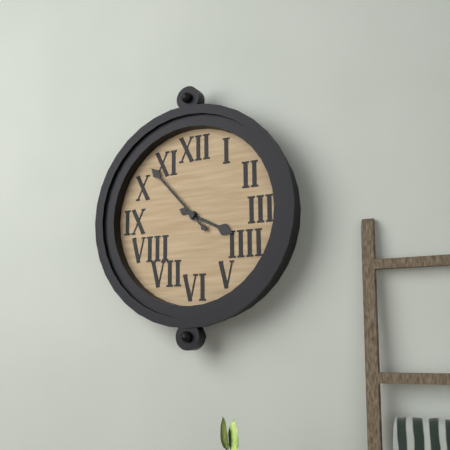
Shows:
3h53
